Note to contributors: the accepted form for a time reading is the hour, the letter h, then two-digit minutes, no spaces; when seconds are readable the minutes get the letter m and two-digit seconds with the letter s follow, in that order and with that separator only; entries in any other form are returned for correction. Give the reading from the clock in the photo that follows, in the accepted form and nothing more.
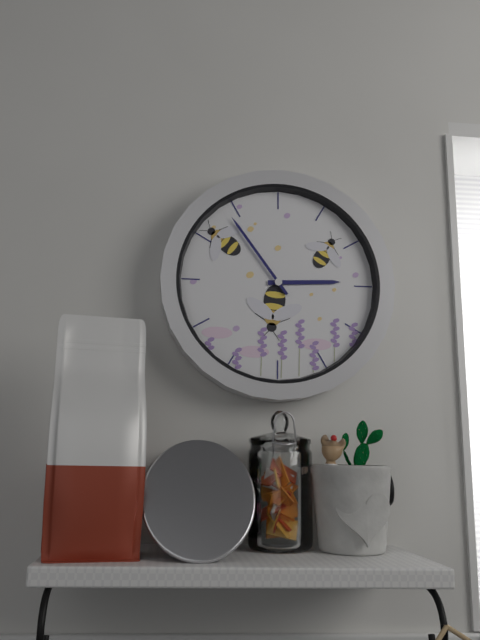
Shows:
2h54
